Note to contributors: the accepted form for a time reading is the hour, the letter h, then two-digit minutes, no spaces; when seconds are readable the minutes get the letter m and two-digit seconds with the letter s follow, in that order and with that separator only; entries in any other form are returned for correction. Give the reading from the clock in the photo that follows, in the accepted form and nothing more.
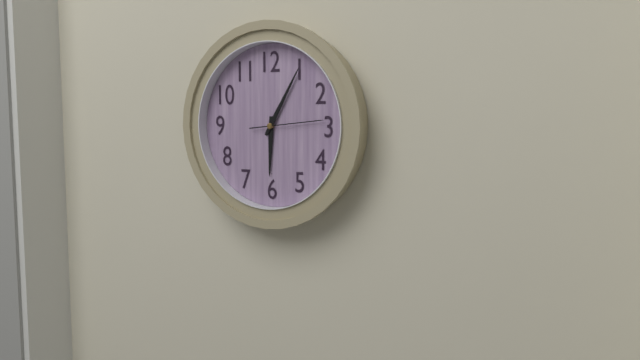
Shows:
6h05m14s
